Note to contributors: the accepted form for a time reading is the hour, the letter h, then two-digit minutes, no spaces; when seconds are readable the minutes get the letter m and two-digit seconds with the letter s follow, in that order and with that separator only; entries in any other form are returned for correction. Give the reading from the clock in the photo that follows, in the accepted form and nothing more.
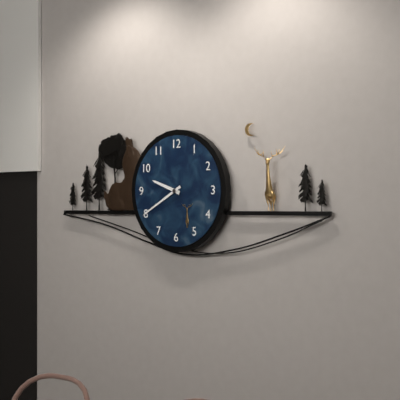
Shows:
9h40
